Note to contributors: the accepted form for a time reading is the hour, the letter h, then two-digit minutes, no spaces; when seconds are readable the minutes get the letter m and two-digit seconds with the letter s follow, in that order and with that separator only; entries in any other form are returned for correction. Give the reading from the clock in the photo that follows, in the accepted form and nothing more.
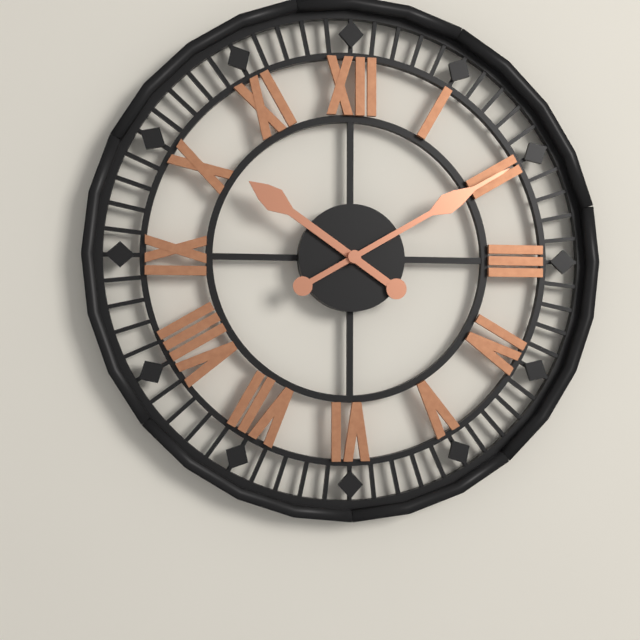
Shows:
10h10
